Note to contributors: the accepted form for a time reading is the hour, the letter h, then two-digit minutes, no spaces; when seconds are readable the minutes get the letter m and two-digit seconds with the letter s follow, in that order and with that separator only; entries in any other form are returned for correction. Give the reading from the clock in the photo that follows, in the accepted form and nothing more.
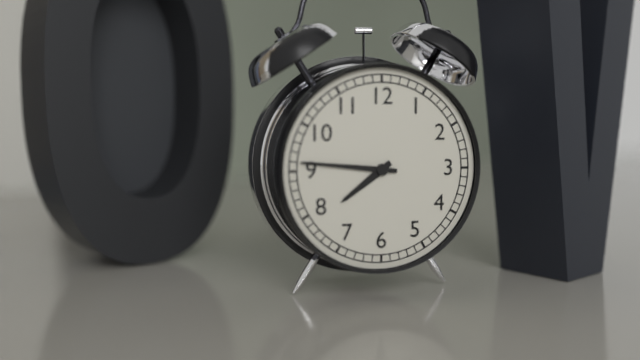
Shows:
7h46
